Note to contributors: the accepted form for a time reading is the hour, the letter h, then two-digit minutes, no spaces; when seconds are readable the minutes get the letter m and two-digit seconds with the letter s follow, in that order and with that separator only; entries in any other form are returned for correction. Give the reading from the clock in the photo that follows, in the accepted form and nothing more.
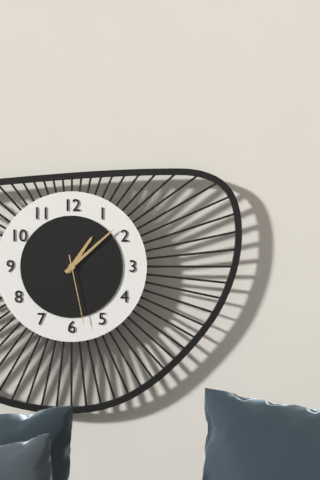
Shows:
1h08m28s
